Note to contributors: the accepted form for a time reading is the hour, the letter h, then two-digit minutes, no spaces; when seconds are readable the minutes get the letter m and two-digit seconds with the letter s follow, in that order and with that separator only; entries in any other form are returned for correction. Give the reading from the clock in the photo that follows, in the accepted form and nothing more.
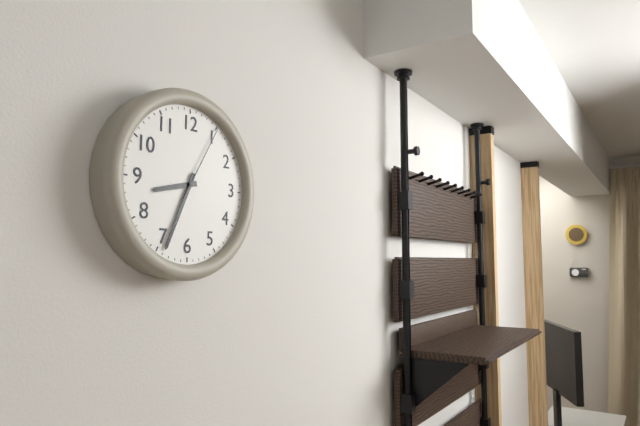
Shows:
8h34m05s
